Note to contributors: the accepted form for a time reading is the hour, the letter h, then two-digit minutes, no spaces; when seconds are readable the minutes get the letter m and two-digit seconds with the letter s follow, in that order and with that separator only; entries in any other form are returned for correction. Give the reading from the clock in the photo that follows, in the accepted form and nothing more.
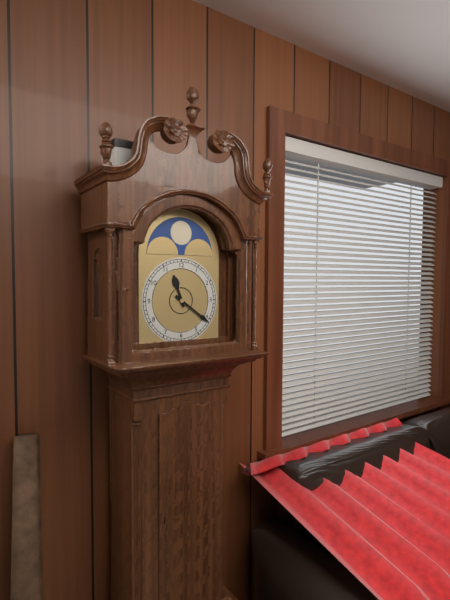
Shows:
11h21
